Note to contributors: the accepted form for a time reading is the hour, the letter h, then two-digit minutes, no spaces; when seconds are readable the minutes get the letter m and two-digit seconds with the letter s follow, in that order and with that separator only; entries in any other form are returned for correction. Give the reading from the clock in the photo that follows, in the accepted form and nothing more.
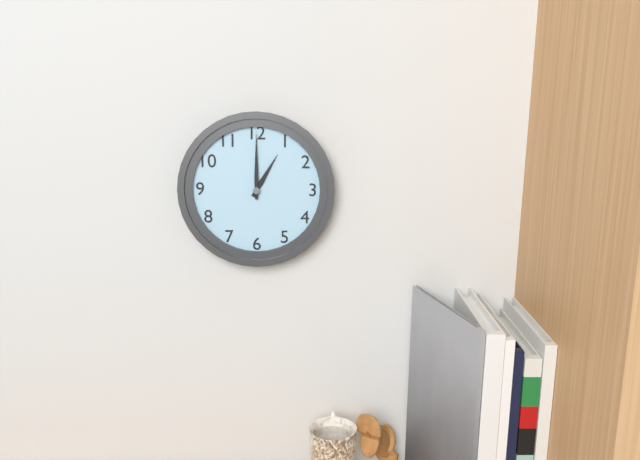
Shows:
1h00
